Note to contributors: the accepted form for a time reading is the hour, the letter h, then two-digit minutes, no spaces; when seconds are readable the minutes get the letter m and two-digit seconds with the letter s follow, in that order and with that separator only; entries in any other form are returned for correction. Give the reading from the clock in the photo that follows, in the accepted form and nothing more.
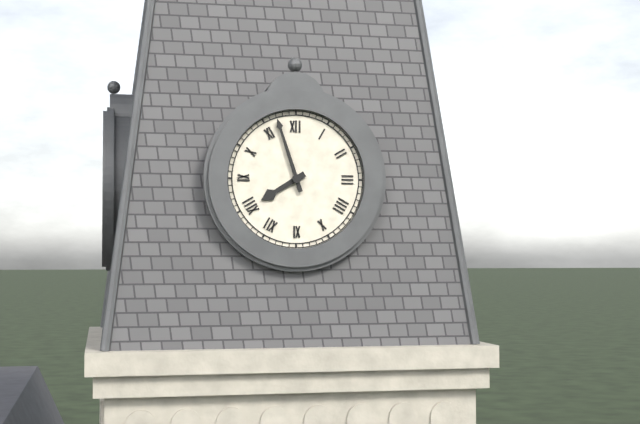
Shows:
7h57
